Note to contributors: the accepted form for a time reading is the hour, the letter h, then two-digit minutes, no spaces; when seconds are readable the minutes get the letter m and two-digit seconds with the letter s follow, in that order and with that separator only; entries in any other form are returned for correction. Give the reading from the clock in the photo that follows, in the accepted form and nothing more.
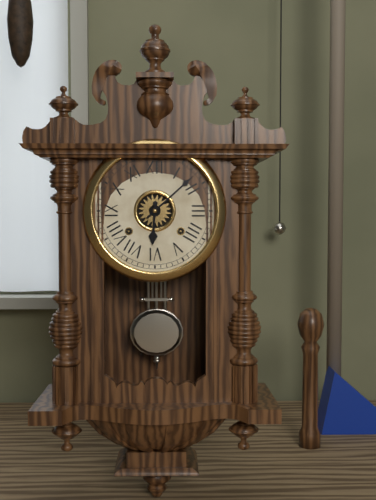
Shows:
6h08
